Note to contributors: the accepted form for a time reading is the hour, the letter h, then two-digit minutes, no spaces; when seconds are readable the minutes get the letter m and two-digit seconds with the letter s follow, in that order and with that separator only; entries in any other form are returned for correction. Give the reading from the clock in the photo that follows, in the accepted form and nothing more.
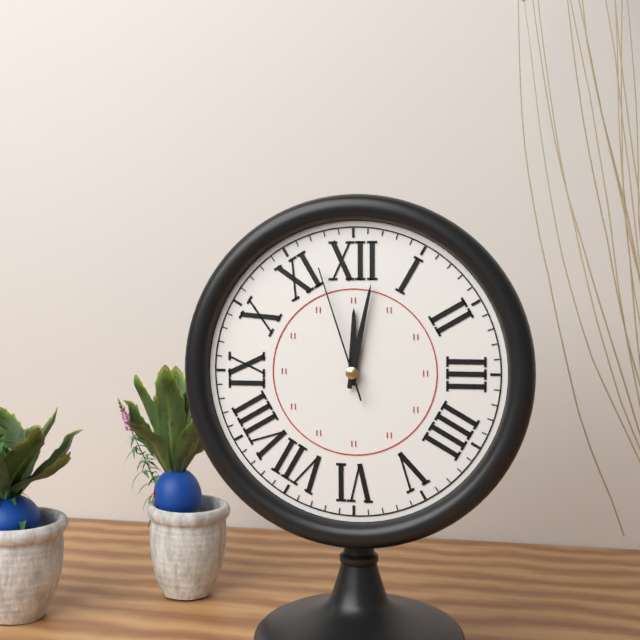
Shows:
12h02m57s
